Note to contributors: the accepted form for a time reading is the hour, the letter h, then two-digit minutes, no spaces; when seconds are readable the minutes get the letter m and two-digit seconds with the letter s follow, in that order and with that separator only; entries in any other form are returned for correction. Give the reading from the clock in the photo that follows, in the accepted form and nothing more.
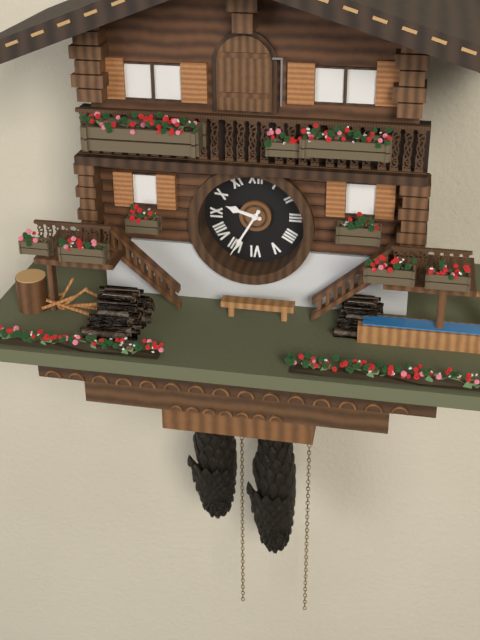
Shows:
9h35
